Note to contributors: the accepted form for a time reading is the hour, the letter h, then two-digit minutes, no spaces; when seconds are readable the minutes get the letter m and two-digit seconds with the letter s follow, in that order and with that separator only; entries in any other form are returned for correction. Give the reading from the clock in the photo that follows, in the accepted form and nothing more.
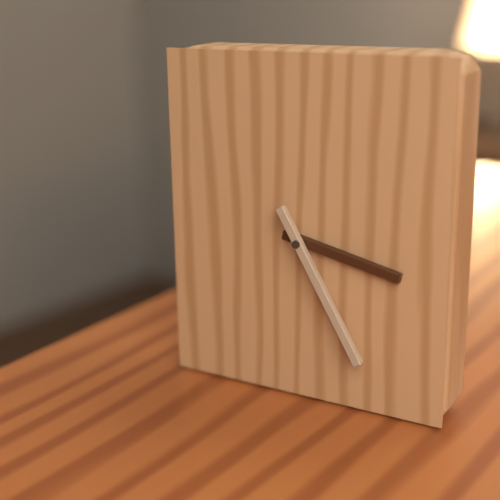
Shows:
3h25
